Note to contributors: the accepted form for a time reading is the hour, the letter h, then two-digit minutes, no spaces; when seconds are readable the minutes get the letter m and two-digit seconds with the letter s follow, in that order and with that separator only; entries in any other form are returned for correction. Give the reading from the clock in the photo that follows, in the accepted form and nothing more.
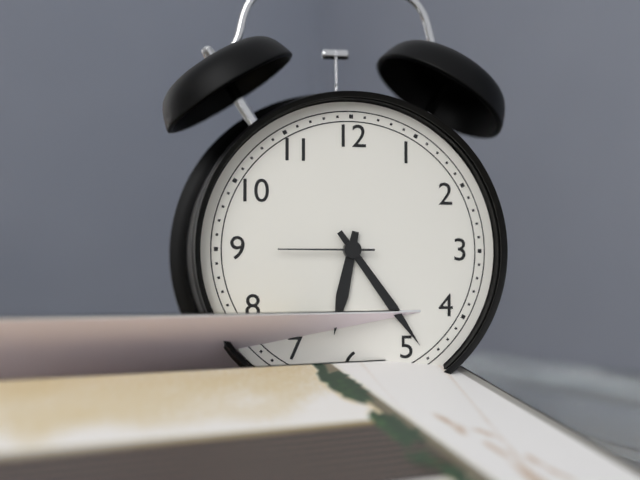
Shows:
6h24m45s
